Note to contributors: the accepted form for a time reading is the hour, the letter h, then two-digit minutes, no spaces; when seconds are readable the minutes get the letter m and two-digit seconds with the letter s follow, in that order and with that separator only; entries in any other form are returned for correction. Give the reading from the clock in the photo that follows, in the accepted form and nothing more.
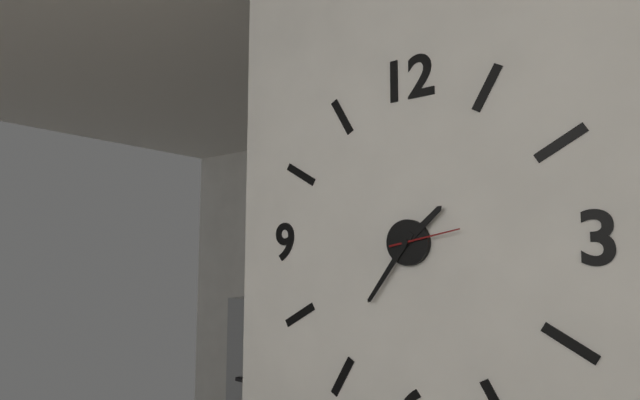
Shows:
1h36m13s
